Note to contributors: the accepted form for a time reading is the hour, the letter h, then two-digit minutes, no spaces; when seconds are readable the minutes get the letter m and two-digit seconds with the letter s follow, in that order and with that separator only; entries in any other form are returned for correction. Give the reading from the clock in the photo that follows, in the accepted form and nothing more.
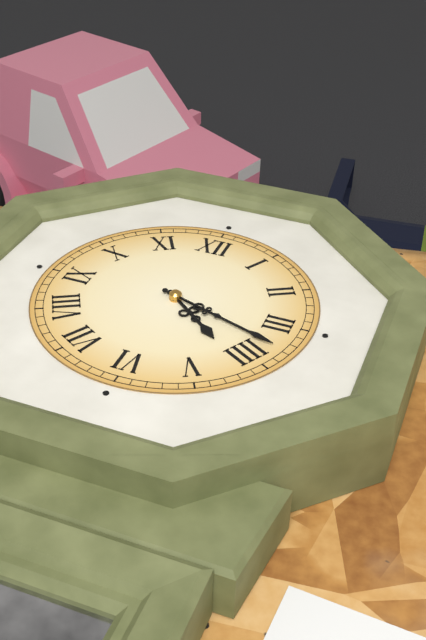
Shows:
4h18
